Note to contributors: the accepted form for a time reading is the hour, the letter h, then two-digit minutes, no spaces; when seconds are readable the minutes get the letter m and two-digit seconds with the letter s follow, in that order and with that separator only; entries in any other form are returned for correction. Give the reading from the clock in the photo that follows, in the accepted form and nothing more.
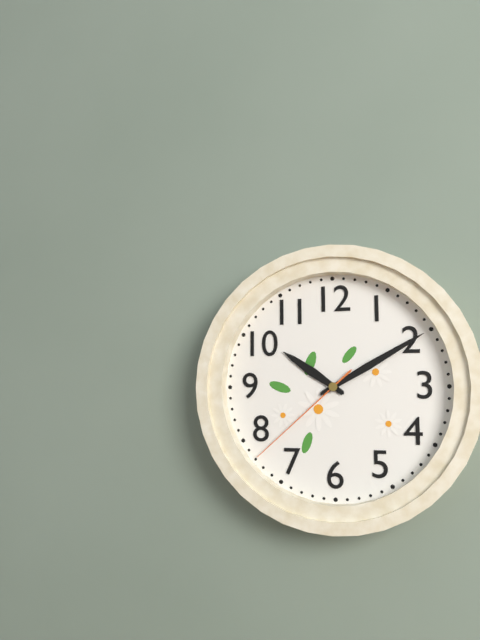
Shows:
10h10m38s
